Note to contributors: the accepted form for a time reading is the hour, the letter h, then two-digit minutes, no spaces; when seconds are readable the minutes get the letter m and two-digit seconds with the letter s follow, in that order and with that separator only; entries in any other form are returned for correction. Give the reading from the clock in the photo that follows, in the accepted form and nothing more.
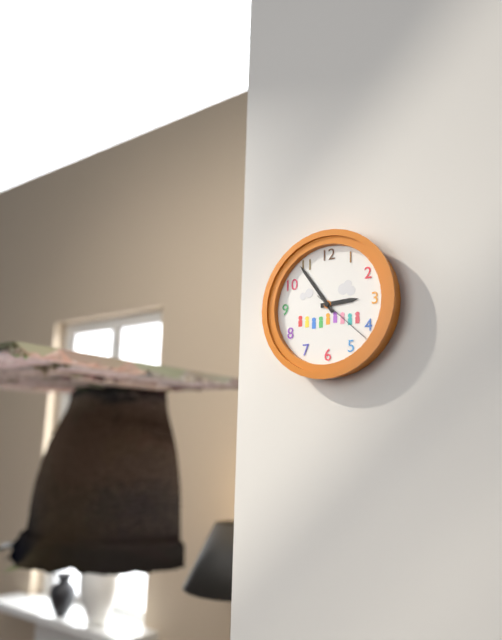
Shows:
2h54m22s
